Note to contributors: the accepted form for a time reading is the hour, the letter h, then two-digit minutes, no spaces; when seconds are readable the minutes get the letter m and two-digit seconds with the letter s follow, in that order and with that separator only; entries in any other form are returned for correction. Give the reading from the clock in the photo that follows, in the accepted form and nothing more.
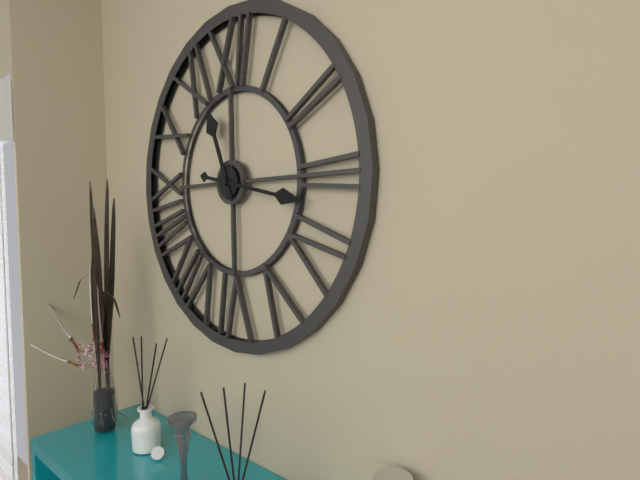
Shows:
11h17
